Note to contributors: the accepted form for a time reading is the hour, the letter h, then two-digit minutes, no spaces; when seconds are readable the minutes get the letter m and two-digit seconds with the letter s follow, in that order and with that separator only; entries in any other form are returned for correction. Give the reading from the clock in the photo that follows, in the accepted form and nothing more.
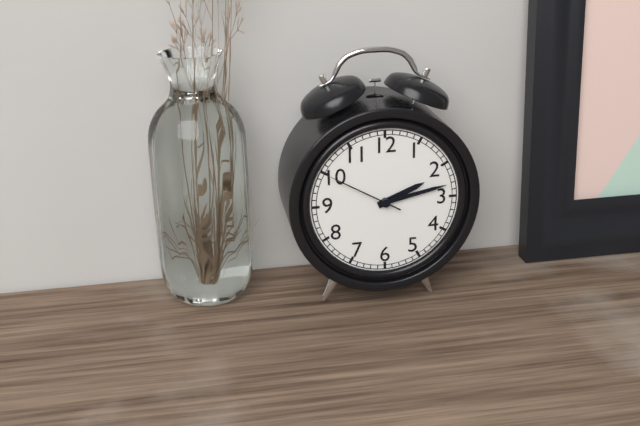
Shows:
2h13m50s
